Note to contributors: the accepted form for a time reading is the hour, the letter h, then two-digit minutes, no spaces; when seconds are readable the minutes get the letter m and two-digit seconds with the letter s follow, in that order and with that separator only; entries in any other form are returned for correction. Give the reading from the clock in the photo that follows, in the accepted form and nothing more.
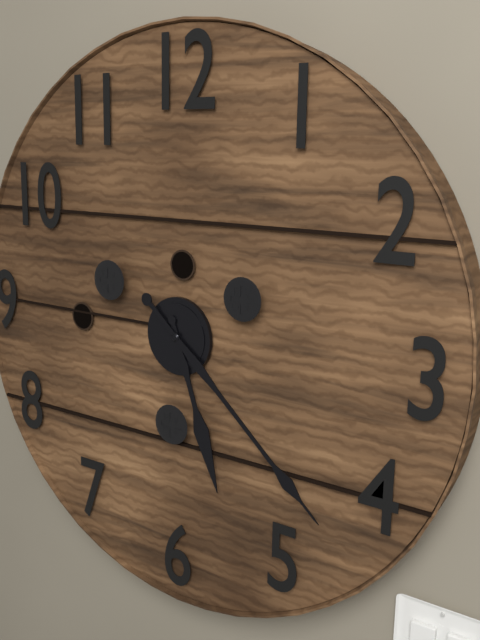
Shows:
5h22
